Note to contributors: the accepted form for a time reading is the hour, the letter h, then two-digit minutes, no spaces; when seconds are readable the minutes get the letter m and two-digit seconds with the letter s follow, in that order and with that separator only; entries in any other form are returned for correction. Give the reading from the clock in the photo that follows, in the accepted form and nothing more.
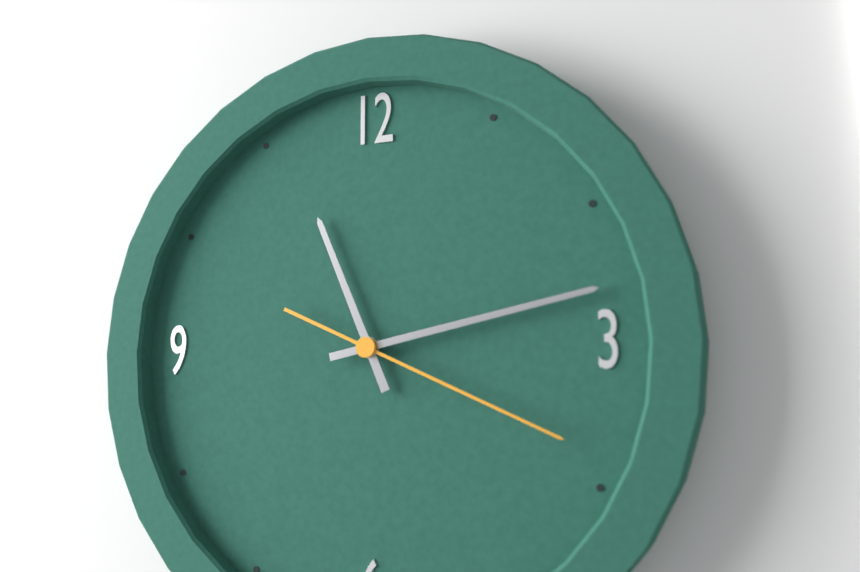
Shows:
11h13m19s
